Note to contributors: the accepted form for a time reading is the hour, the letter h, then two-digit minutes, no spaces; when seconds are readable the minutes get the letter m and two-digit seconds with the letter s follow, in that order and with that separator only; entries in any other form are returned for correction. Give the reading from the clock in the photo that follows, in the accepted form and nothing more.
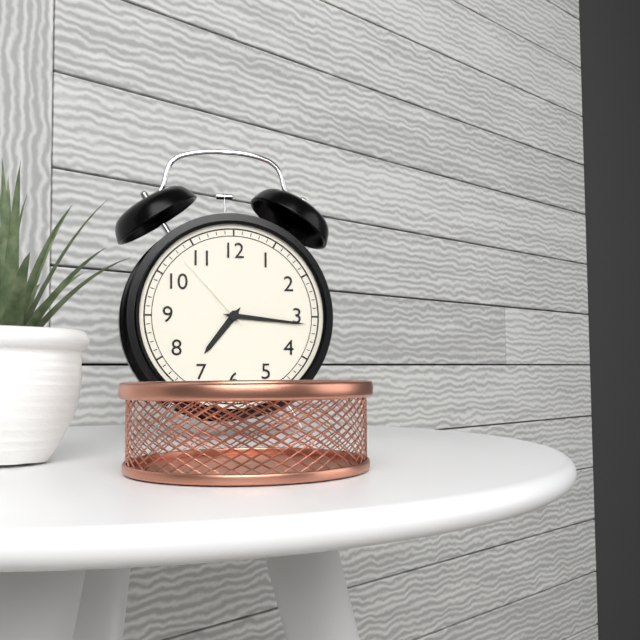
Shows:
7h16m53s
